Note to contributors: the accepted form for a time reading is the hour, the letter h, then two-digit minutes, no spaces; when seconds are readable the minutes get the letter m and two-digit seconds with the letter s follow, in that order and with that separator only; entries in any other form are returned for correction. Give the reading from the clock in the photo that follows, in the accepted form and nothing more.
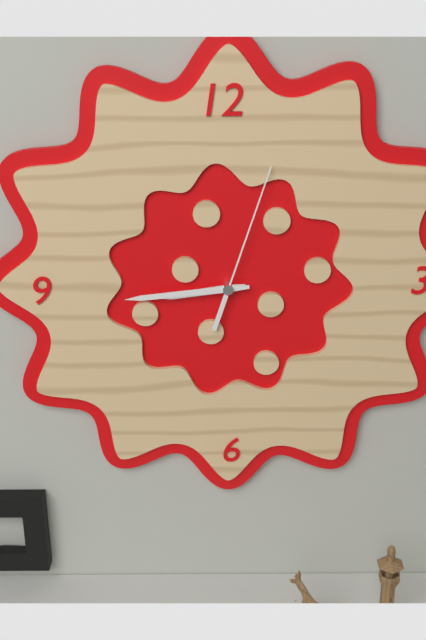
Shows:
8h44m03s
